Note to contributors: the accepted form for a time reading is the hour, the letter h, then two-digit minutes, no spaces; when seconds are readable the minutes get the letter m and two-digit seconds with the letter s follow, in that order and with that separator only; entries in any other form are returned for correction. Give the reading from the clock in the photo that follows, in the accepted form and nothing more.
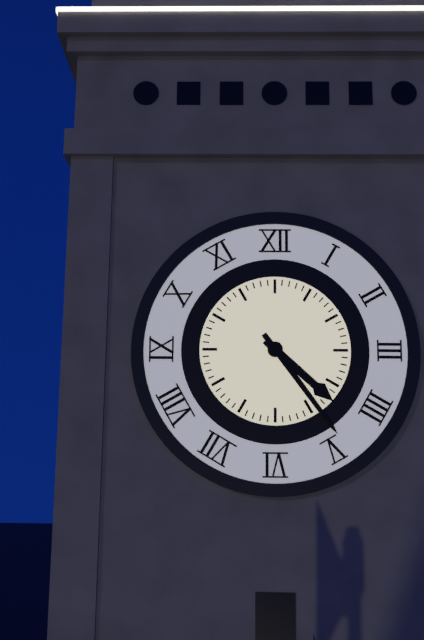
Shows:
4h24
